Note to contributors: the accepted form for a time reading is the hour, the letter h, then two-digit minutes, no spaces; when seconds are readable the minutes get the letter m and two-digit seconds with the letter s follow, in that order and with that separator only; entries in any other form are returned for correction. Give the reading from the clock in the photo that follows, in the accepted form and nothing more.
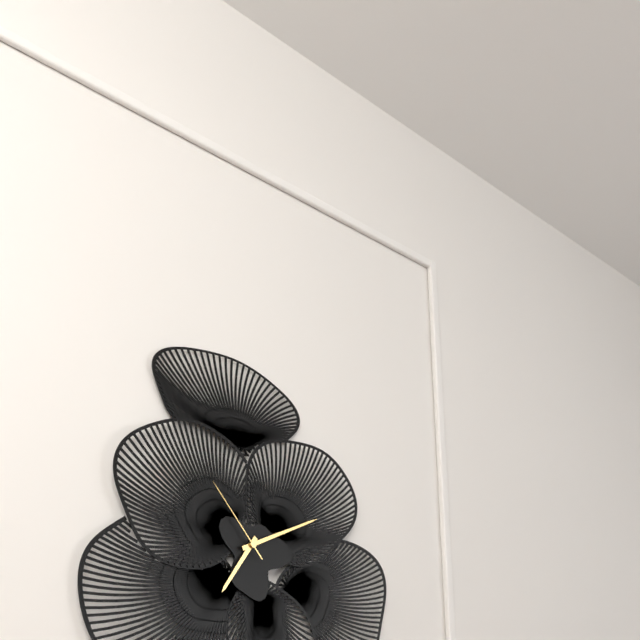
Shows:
7h11m53s
